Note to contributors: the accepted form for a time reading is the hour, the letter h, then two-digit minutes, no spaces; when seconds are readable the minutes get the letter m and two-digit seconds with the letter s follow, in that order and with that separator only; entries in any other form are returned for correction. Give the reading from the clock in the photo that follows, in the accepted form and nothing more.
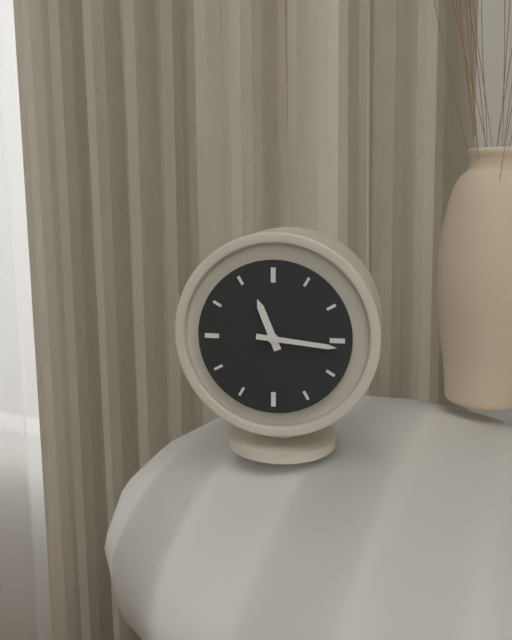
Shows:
11h16
